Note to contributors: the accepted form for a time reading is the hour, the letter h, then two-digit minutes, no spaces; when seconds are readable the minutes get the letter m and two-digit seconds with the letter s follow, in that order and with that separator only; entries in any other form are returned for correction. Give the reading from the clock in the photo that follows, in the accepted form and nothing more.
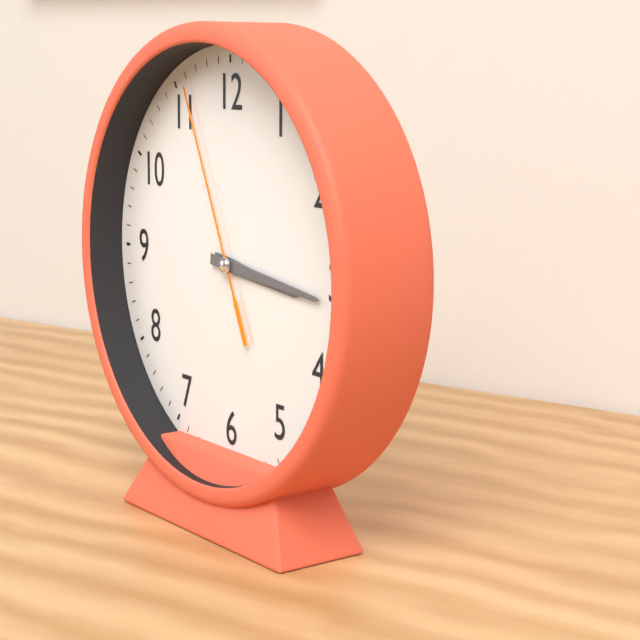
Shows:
3h16m56s
